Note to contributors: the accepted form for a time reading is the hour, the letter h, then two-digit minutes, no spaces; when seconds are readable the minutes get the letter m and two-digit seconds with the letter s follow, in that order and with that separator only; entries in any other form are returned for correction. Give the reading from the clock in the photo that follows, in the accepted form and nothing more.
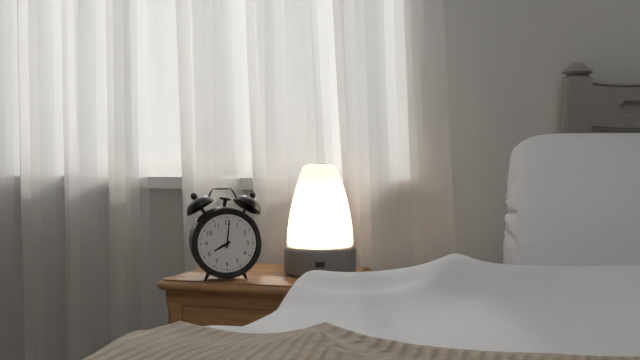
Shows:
8h01
